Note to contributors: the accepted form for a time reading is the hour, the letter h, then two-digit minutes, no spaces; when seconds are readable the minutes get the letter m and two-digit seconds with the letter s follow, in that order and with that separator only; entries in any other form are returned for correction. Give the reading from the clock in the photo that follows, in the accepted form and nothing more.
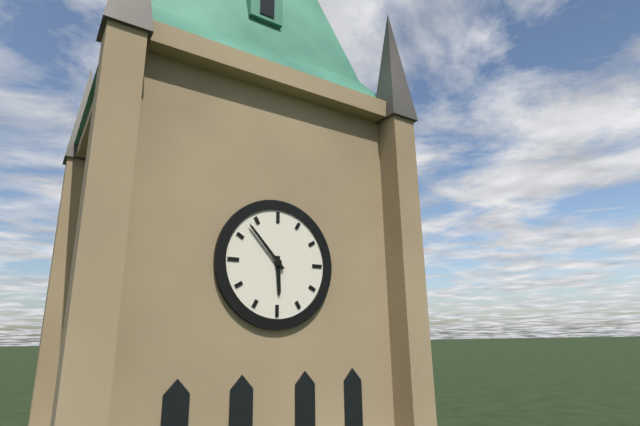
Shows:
5h53
